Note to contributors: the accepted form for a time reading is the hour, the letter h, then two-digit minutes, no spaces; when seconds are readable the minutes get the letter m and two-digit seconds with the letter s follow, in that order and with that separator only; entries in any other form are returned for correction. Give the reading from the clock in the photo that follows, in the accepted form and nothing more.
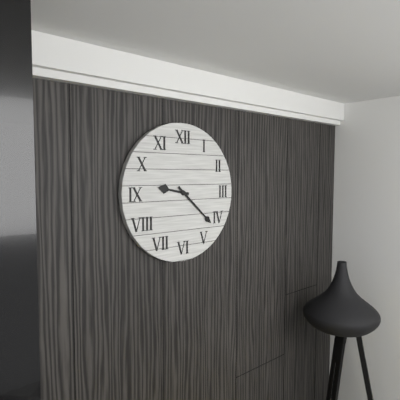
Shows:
9h22
